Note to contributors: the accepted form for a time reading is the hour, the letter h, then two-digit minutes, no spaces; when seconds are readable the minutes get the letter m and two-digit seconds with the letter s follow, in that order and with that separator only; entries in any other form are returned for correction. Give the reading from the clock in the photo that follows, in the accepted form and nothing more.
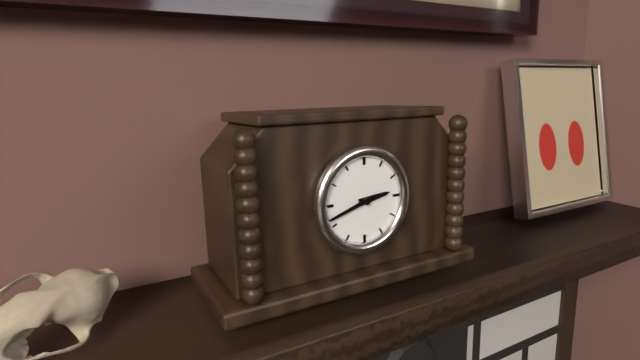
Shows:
2h42
